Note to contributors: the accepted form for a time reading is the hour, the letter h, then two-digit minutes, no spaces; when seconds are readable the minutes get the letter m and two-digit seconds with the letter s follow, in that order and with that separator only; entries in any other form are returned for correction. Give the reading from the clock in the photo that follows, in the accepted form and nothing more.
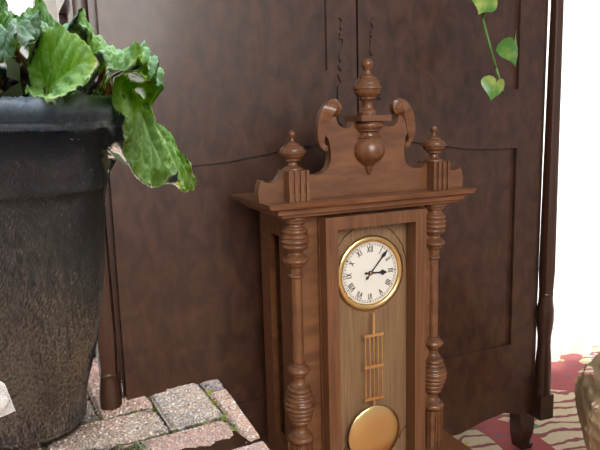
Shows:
3h07
